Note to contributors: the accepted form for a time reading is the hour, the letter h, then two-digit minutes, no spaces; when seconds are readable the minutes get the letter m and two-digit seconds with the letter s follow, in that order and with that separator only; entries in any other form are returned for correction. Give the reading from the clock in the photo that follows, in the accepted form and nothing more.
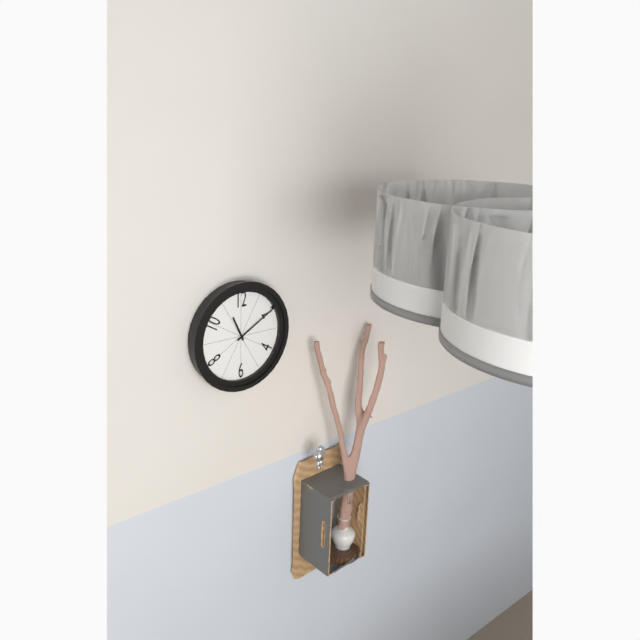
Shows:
11h10
